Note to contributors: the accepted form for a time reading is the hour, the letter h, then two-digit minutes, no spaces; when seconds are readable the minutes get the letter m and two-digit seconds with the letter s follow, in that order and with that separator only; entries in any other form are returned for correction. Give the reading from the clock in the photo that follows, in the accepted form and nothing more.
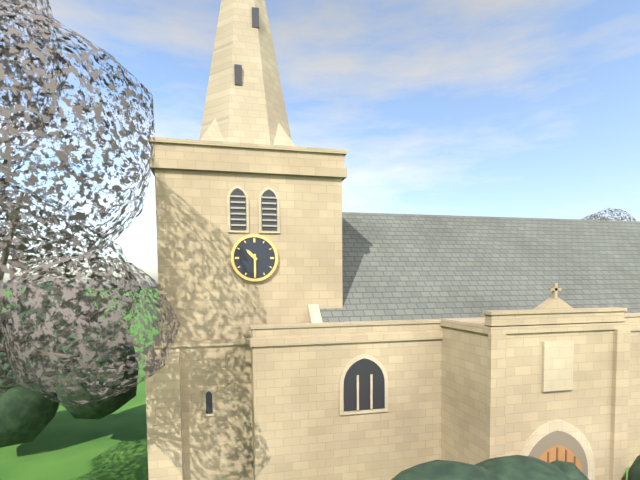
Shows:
10h30
